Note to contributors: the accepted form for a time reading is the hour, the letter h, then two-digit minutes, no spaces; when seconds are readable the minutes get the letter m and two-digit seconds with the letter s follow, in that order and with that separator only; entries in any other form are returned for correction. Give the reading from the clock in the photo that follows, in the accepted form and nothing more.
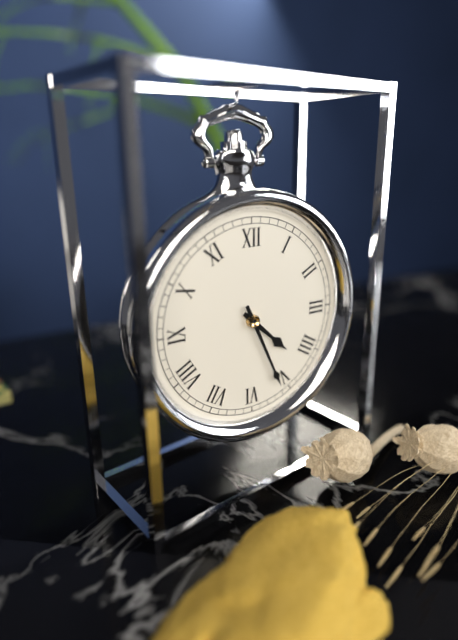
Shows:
4h26
